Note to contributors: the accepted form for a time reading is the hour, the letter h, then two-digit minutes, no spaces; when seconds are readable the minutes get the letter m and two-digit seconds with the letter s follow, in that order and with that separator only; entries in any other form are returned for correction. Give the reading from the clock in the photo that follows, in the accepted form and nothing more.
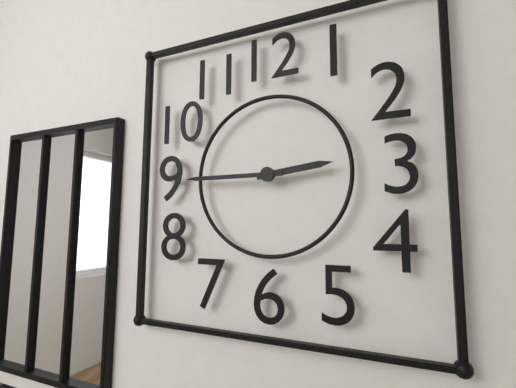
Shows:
2h45
